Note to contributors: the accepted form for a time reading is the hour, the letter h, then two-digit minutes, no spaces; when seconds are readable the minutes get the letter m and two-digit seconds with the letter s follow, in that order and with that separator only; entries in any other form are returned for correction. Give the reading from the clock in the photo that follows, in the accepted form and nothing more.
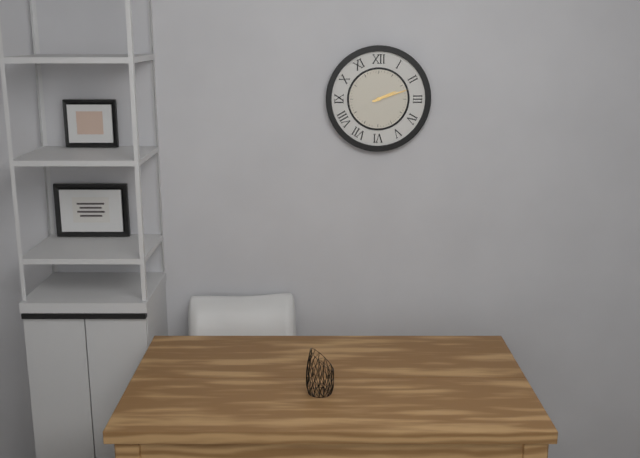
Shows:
2h12
